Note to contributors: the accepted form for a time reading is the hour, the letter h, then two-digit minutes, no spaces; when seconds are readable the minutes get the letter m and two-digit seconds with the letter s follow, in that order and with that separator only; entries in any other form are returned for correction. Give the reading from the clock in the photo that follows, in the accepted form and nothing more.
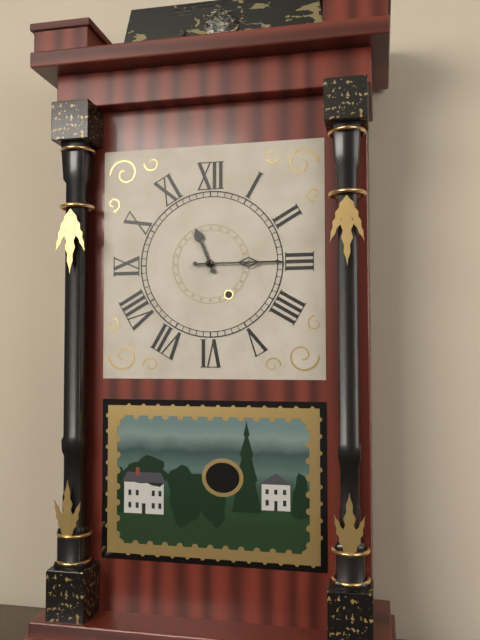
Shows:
11h15
